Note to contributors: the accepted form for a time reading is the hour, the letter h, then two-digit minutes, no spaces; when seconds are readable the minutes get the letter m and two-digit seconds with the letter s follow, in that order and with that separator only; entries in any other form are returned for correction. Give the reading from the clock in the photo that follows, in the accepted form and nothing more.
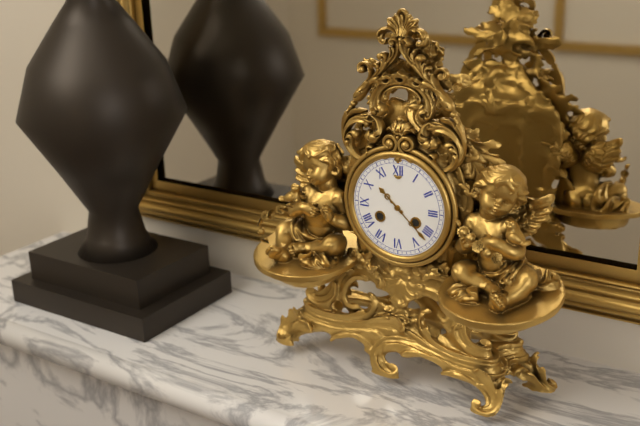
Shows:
10h22
